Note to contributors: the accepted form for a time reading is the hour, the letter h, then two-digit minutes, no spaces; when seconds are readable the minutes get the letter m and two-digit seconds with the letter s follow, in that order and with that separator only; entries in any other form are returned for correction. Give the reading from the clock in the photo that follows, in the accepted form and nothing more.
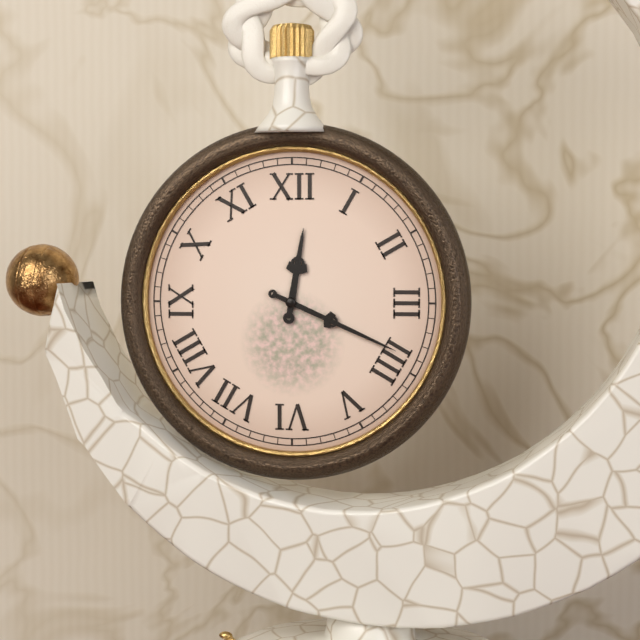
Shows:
12h19
